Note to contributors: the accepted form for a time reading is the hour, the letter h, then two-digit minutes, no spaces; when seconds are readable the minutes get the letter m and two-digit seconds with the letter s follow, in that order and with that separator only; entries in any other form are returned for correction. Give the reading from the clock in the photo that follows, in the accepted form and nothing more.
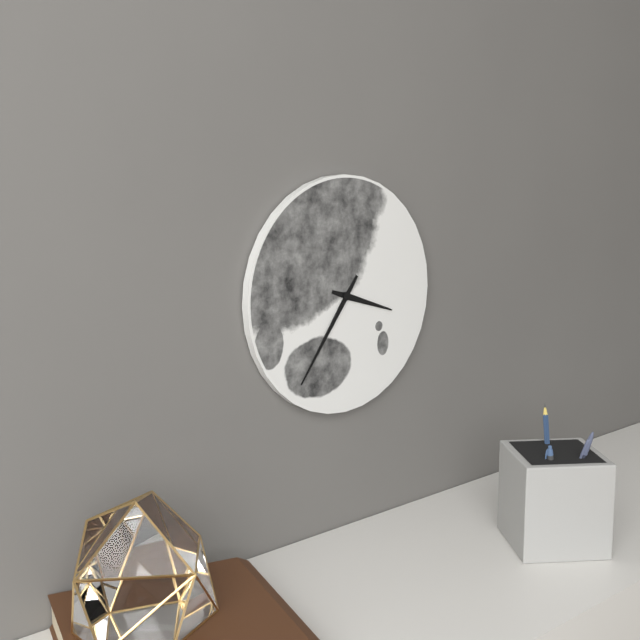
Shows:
3h36
